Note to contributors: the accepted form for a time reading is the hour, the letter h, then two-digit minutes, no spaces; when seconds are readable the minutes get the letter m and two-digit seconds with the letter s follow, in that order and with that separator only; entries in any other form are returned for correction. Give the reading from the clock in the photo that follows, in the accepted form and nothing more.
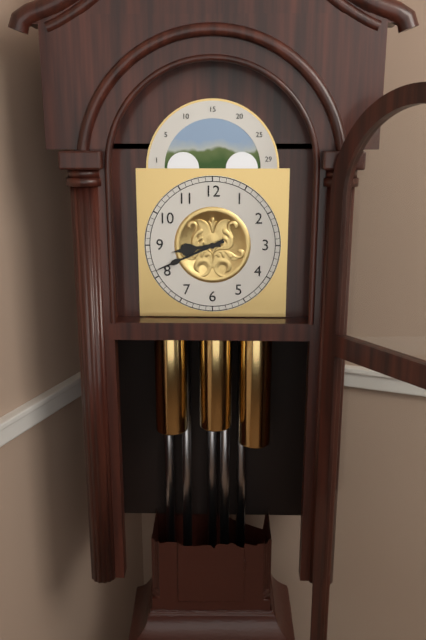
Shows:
8h41
